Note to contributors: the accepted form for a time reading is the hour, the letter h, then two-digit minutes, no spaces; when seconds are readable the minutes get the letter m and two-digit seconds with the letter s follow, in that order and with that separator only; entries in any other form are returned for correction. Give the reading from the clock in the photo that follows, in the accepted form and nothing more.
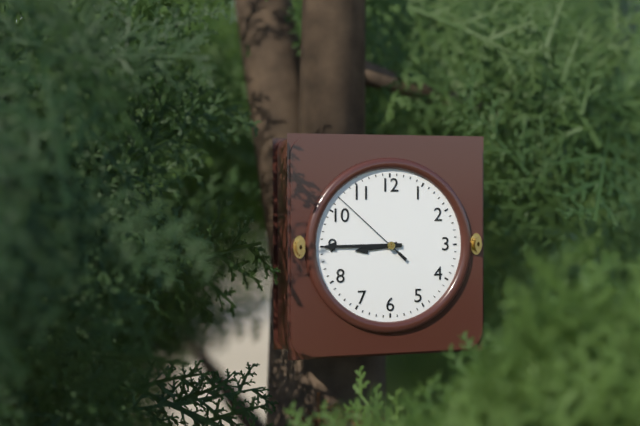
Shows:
8h45m52s
